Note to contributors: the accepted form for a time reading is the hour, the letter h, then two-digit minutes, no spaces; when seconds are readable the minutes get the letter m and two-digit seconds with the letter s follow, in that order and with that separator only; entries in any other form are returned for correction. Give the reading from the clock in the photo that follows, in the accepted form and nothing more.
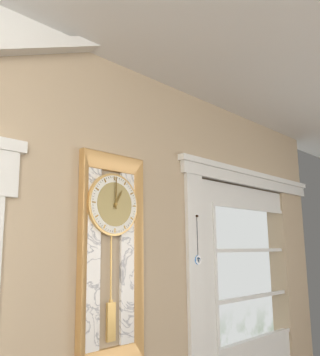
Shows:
1h00
